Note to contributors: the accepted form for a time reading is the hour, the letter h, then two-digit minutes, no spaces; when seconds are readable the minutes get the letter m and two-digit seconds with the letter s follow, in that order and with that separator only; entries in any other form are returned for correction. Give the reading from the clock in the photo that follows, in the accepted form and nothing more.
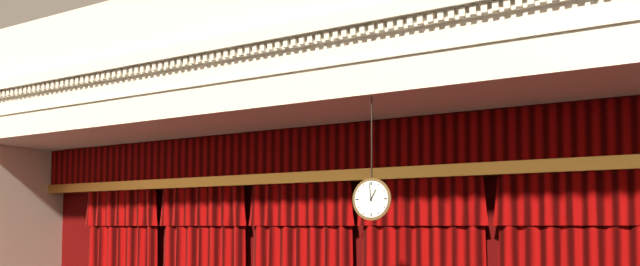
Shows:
12h59
